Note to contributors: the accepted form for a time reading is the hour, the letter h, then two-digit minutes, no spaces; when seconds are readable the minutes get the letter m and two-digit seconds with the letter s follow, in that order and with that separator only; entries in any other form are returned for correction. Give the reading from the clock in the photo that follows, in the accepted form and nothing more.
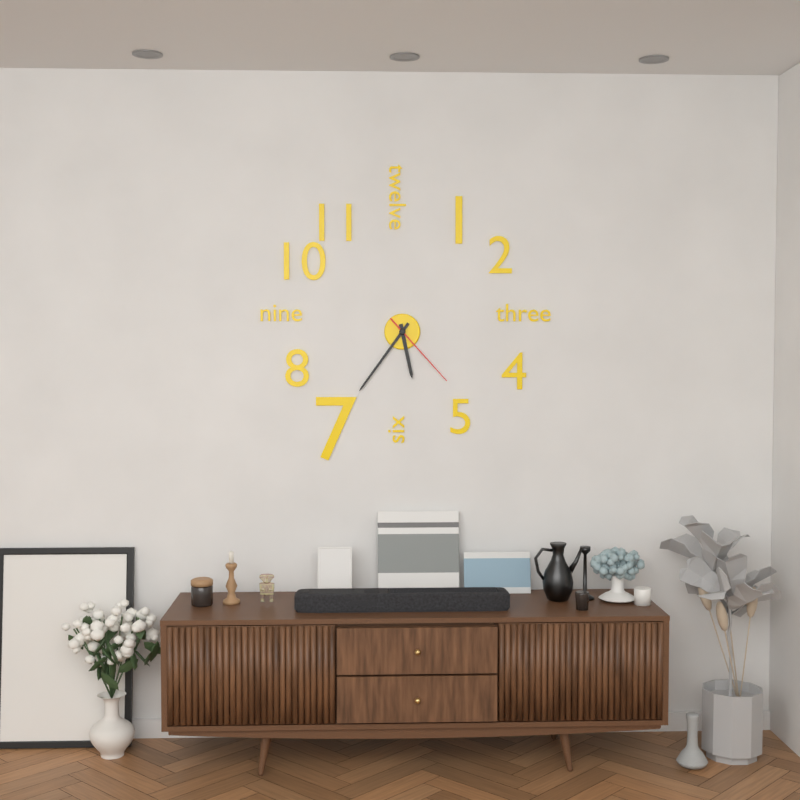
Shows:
5h36m23s
